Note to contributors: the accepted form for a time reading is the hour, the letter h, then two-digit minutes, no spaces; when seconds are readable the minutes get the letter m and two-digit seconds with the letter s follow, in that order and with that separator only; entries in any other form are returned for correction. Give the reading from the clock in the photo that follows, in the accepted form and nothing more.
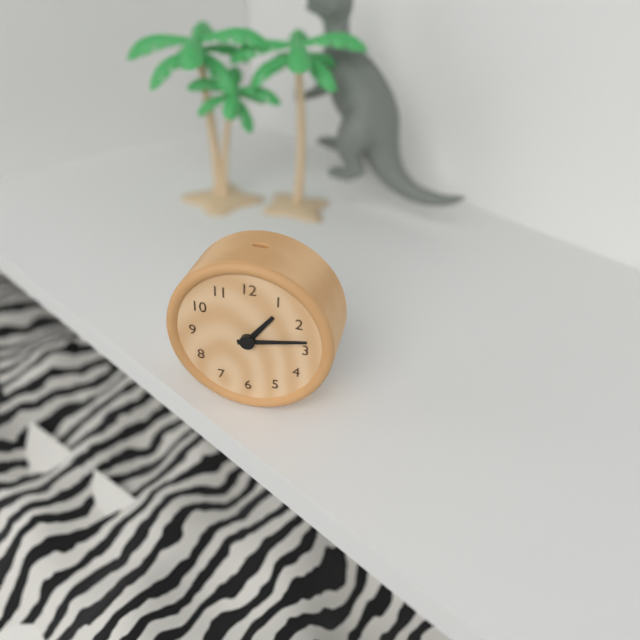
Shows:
1h13
